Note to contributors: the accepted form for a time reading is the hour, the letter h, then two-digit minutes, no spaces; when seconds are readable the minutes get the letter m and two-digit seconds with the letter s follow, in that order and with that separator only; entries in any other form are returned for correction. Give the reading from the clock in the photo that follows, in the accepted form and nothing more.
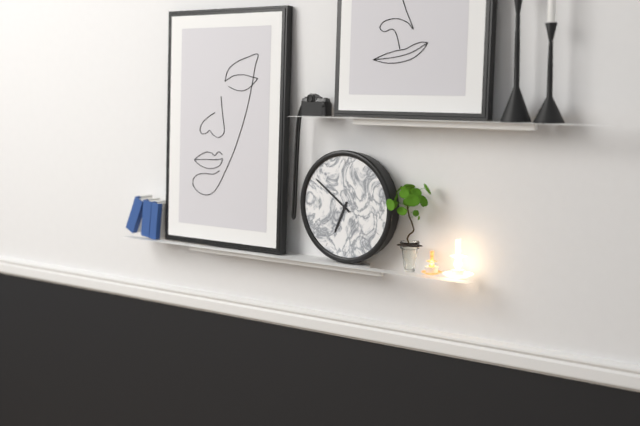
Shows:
6h51
